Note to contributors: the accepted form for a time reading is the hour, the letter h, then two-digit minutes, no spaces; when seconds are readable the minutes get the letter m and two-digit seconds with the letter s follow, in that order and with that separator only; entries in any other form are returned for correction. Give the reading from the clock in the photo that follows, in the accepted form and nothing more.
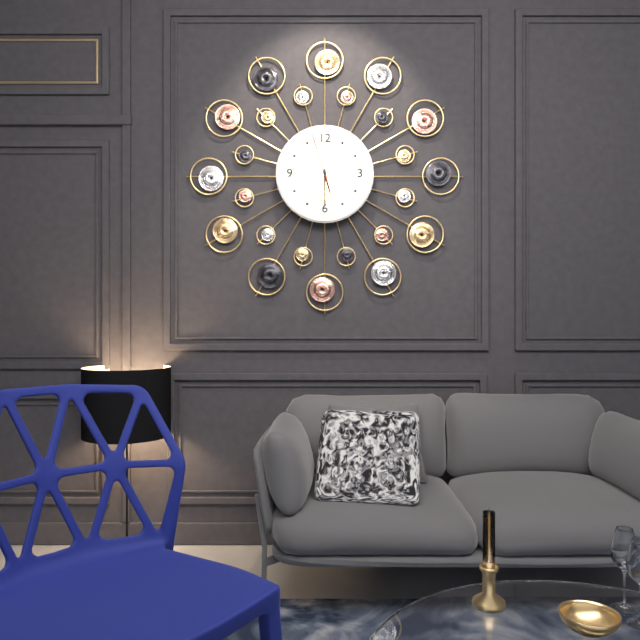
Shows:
5h30m57s
